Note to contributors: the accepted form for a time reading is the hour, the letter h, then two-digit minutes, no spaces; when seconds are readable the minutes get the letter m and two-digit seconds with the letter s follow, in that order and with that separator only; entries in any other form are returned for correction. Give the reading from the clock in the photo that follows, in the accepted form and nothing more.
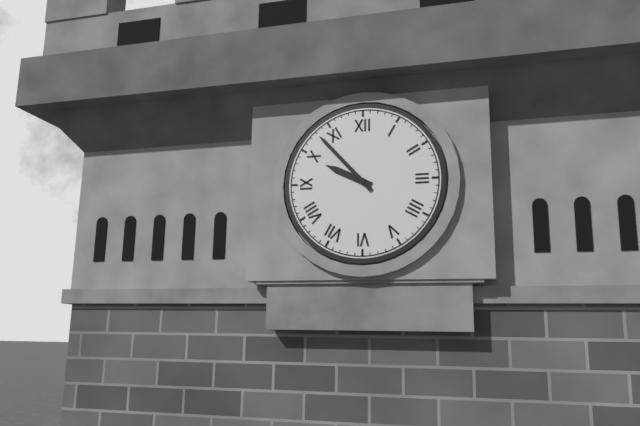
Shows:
9h53
